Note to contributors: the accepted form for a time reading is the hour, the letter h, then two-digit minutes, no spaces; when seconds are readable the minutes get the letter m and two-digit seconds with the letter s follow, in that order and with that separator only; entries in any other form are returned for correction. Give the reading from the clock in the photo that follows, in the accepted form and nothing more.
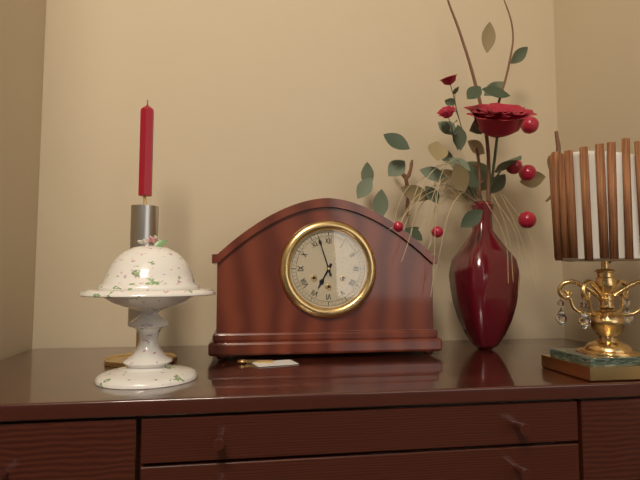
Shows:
6h57
